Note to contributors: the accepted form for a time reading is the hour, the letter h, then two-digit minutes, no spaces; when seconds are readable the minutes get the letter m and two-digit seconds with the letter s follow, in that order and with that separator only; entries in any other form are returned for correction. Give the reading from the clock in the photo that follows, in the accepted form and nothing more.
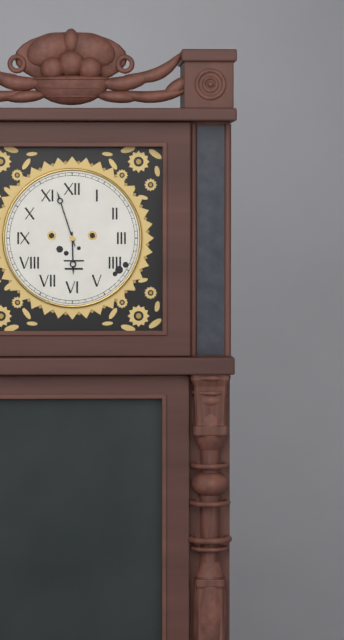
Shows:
5h57
